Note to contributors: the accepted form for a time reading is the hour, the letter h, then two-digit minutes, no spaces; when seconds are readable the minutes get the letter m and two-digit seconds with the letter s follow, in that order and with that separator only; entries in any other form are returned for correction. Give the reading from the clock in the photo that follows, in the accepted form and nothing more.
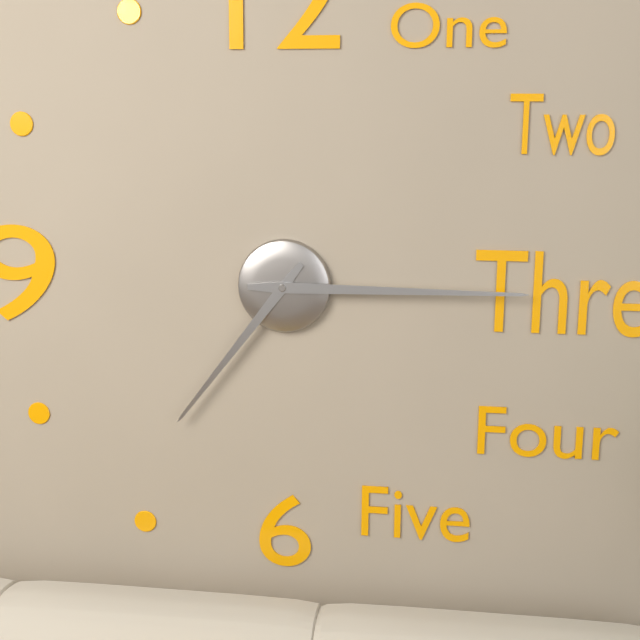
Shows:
7h15
